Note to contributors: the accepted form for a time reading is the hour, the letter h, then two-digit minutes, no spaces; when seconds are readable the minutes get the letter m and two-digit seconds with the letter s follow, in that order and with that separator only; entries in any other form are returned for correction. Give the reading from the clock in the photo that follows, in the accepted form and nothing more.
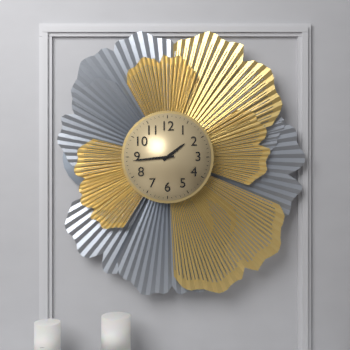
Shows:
1h44
